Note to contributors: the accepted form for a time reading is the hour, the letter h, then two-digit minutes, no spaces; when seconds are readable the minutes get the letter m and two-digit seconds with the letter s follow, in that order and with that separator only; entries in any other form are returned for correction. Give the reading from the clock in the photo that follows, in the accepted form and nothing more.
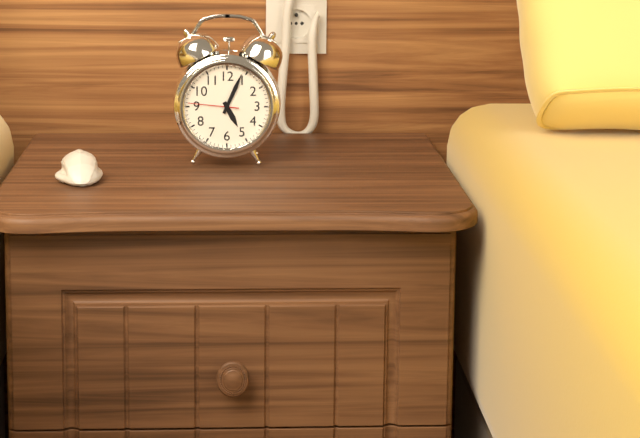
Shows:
5h04
